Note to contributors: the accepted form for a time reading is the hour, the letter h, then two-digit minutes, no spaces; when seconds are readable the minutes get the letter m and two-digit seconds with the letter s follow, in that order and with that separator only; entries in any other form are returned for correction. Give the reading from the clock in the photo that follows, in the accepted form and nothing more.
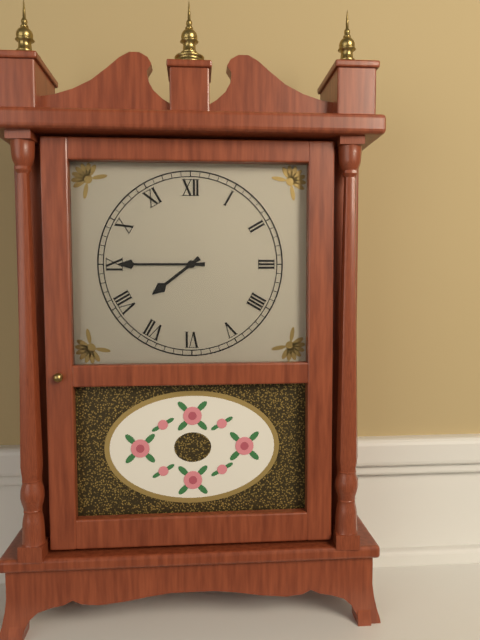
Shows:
7h45
